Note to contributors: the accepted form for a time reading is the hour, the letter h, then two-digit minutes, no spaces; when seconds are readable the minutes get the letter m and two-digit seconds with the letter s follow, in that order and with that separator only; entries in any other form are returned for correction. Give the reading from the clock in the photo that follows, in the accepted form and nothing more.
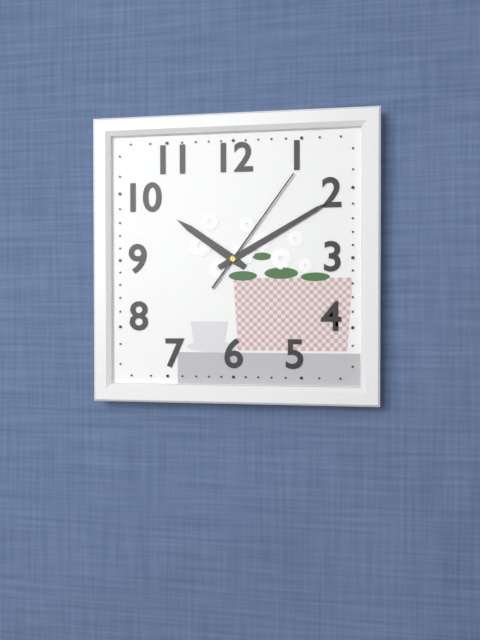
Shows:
10h10m06s
